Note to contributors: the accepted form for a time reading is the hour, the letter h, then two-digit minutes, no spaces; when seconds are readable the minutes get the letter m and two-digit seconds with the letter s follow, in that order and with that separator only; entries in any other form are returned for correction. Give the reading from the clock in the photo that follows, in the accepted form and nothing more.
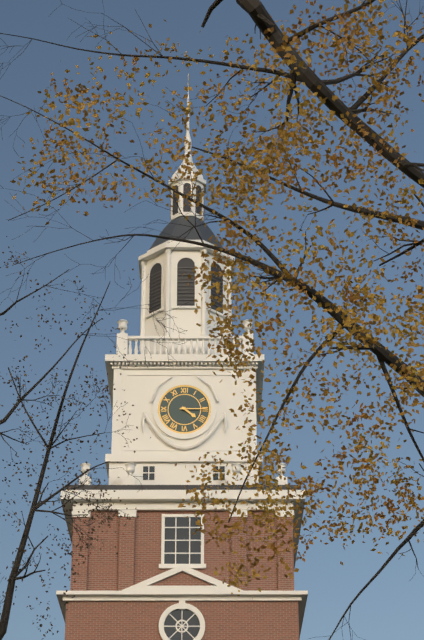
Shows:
4h15
